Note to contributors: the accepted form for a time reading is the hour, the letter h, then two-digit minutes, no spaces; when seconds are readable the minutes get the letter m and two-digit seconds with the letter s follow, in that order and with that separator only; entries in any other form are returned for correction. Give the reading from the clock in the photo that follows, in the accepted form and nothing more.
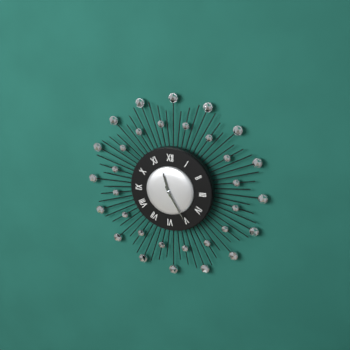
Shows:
11h25
